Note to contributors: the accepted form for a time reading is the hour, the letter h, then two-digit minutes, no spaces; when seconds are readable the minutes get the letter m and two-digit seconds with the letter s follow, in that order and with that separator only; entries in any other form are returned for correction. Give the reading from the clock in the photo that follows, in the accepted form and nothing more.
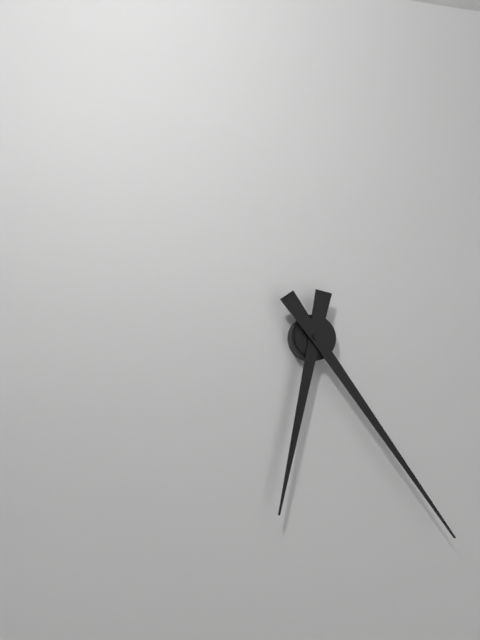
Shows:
6h24
